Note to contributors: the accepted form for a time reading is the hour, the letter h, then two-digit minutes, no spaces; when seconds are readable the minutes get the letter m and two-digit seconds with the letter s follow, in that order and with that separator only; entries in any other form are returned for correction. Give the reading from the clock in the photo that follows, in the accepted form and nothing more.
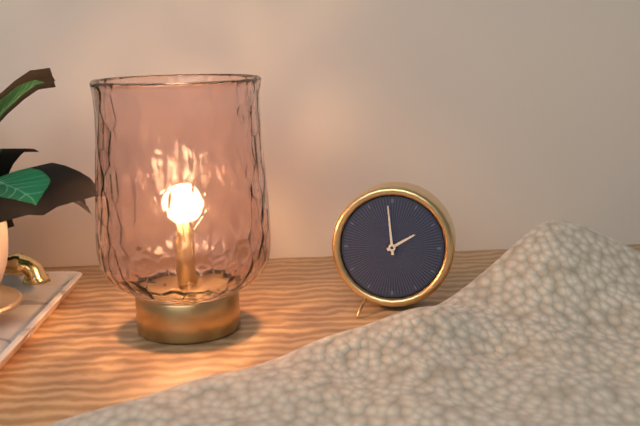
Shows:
1h59
